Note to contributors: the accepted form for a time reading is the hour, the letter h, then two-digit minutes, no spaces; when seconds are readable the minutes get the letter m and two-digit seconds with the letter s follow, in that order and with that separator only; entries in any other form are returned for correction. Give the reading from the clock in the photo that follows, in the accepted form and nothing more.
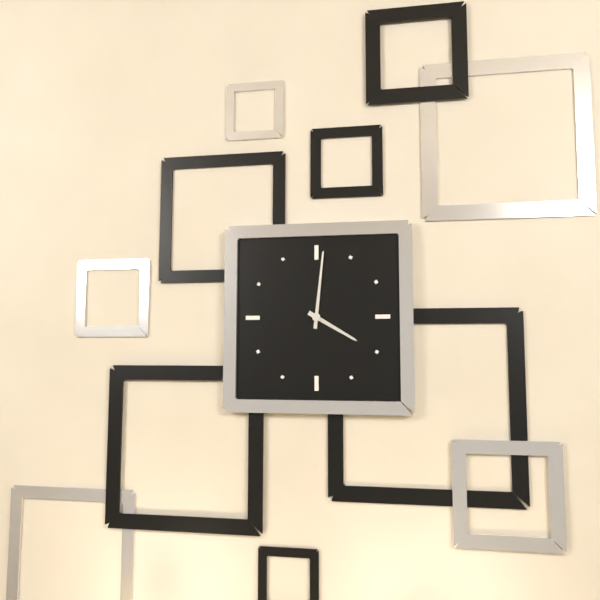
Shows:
4h01
